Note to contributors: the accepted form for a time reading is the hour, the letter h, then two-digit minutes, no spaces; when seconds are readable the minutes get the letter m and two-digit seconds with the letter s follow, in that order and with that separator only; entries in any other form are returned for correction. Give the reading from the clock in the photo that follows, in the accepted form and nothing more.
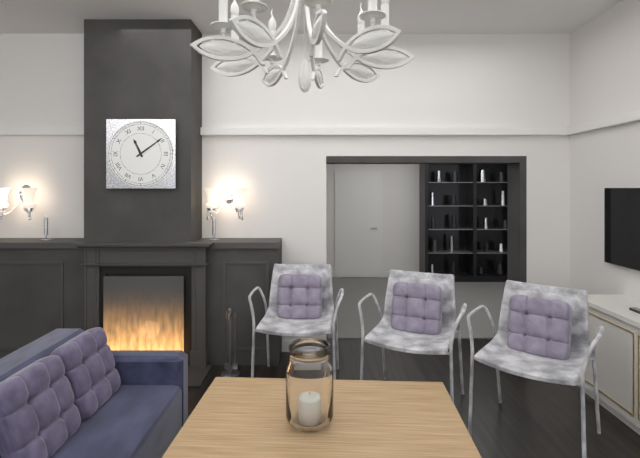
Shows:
11h09
